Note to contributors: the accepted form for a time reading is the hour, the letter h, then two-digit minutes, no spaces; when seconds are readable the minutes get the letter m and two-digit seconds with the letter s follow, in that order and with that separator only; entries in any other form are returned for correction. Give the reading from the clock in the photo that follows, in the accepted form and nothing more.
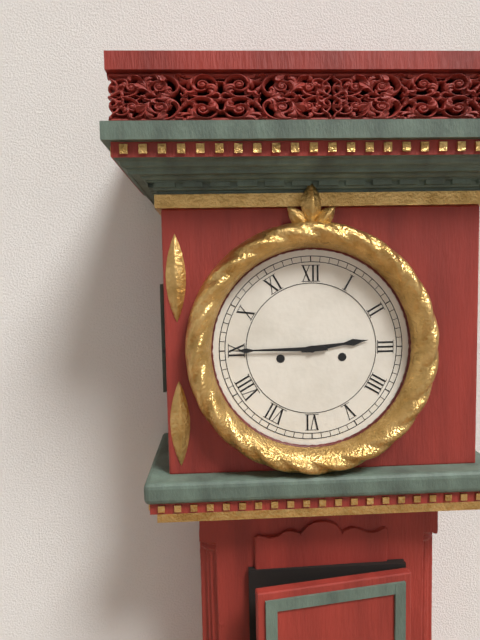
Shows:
2h45
